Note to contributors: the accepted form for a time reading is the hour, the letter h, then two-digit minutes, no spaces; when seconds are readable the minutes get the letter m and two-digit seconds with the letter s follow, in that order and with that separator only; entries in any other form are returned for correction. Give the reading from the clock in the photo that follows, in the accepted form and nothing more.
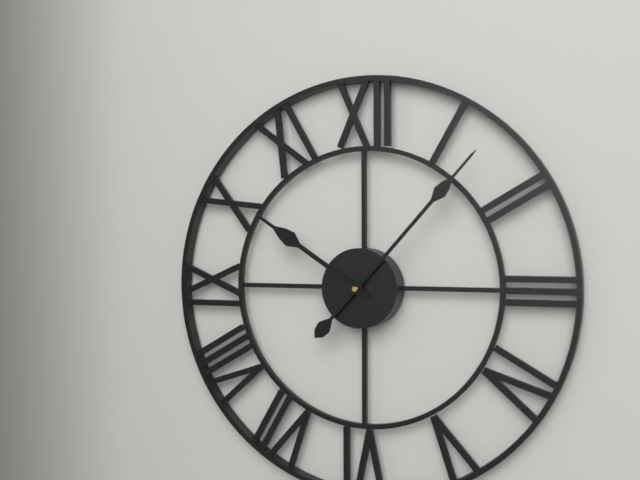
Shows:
10h07
